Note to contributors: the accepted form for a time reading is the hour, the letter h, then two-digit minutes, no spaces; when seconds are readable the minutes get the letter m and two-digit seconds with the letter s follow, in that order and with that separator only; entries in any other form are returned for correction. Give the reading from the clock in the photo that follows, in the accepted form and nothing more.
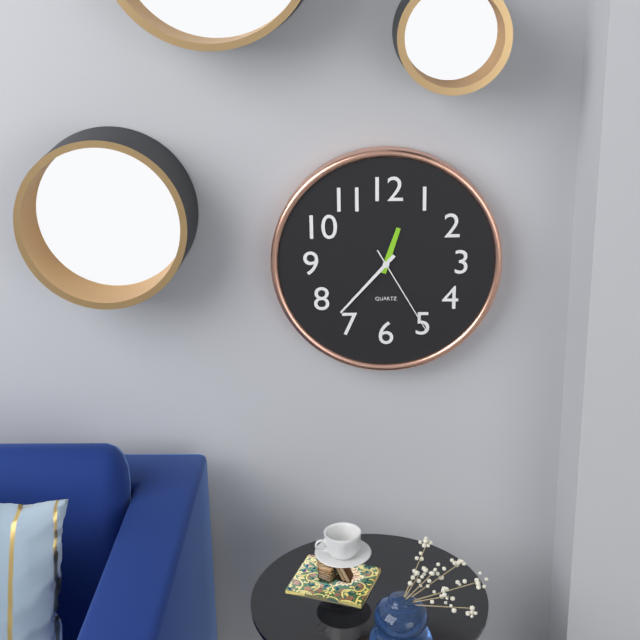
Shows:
12h37m25s
